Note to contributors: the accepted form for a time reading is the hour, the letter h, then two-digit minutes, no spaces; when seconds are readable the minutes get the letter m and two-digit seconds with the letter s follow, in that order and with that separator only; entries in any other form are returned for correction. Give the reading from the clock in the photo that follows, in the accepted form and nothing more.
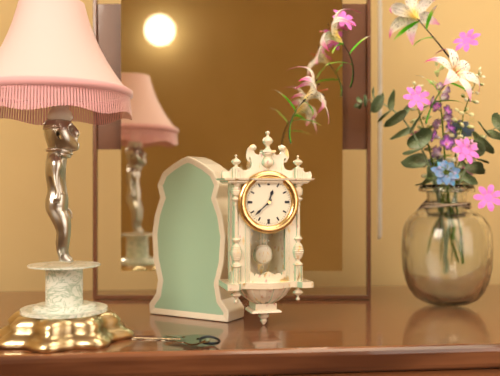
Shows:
12h38
